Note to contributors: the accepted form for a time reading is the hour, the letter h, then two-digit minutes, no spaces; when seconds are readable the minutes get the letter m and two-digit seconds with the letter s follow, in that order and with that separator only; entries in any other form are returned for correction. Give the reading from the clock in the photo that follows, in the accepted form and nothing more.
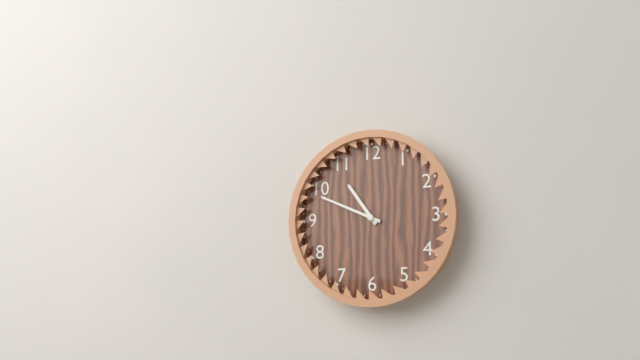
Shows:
10h49
